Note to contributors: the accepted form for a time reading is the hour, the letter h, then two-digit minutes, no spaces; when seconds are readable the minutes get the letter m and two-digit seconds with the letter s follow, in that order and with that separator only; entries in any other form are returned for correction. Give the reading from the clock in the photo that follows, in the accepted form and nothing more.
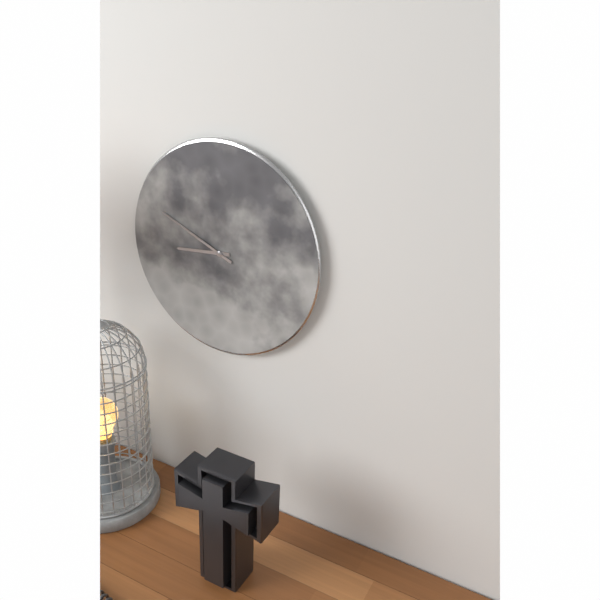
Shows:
8h49
